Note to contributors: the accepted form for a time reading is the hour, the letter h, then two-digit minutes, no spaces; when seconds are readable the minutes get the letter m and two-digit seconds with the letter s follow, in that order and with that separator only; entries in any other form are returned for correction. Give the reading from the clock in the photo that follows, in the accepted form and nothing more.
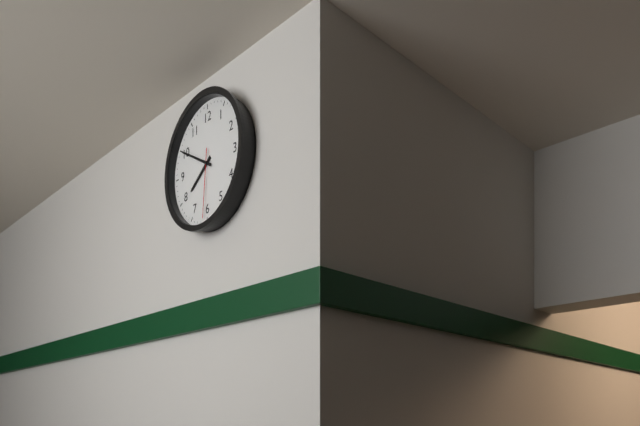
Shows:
7h50m31s
